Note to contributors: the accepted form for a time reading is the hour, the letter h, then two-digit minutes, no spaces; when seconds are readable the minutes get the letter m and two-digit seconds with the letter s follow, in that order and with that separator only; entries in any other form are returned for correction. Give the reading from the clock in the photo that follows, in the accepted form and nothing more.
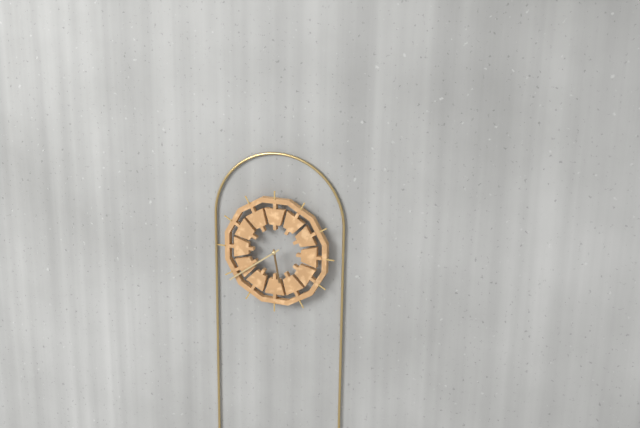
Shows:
5h39
